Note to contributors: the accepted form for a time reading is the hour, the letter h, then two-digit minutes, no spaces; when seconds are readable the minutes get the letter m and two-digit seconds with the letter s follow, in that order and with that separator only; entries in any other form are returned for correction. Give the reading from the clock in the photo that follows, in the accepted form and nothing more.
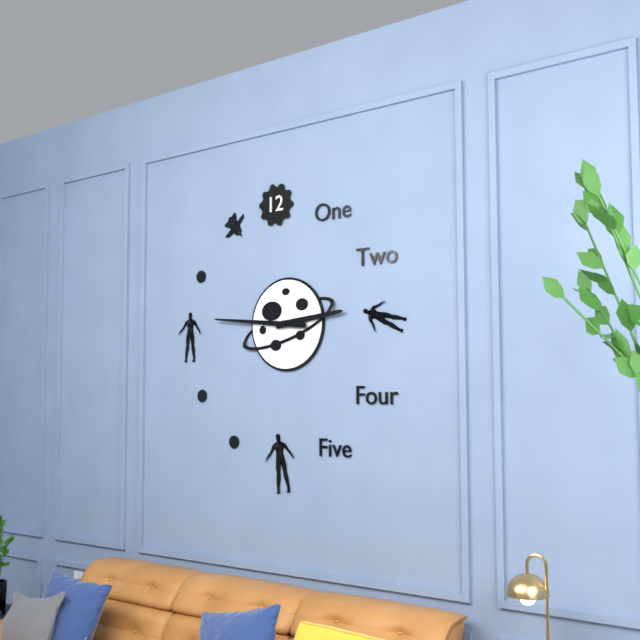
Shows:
2h46
